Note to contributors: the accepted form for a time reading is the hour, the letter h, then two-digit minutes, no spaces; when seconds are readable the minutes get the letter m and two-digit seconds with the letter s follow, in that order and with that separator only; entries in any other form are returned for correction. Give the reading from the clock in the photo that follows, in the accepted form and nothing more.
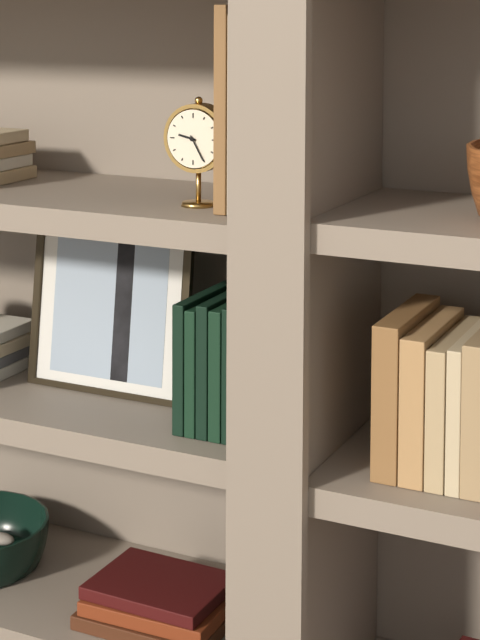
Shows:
9h25
